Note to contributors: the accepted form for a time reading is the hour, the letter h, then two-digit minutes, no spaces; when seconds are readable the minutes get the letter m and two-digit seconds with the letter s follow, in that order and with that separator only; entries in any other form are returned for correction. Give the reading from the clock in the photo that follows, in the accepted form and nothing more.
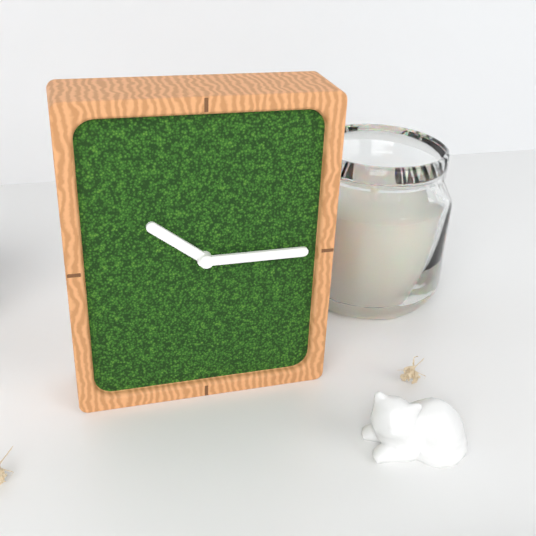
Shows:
10h15
